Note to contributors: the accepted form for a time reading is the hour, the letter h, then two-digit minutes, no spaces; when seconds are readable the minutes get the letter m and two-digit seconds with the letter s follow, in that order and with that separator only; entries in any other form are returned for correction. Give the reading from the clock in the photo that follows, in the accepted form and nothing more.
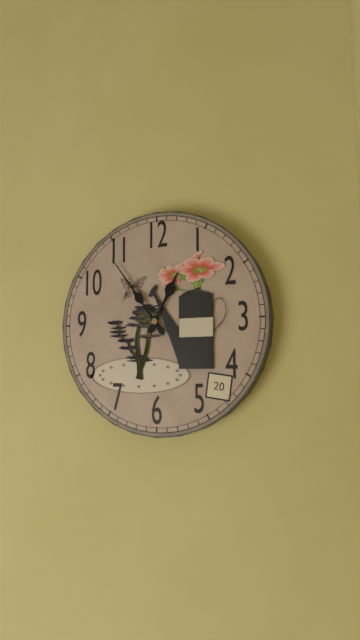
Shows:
12h54
